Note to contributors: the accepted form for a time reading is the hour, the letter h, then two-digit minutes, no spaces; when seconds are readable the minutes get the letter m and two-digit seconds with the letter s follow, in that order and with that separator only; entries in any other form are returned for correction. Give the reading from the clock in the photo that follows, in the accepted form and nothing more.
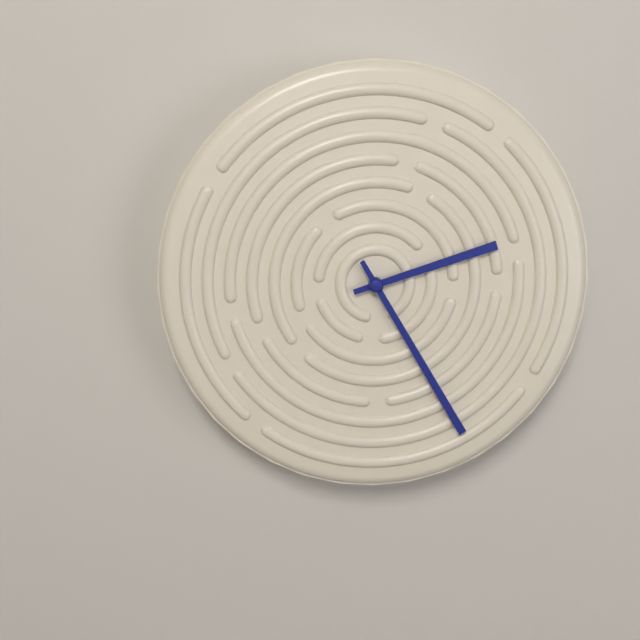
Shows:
2h25
